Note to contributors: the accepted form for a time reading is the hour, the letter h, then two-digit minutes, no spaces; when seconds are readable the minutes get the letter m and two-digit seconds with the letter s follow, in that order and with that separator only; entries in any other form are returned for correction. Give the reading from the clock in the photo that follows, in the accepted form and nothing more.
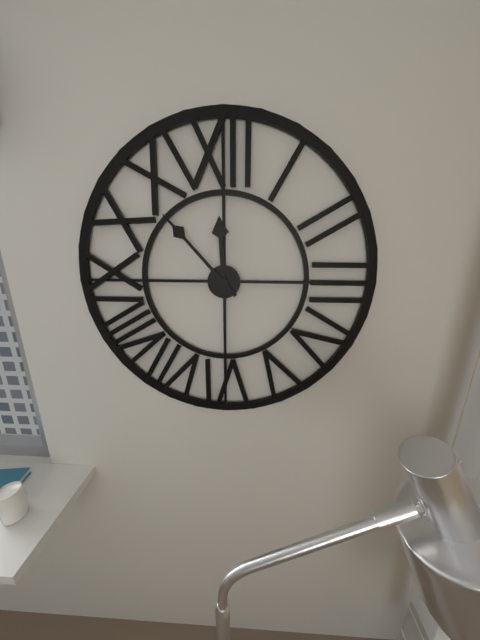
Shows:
11h53
